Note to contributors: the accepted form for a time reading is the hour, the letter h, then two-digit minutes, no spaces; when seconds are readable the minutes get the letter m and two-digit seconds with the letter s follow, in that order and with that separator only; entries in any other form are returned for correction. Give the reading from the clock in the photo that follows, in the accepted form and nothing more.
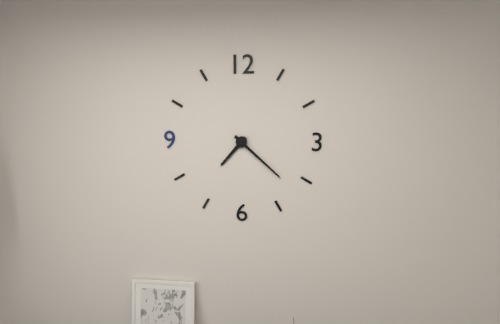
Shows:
7h22
